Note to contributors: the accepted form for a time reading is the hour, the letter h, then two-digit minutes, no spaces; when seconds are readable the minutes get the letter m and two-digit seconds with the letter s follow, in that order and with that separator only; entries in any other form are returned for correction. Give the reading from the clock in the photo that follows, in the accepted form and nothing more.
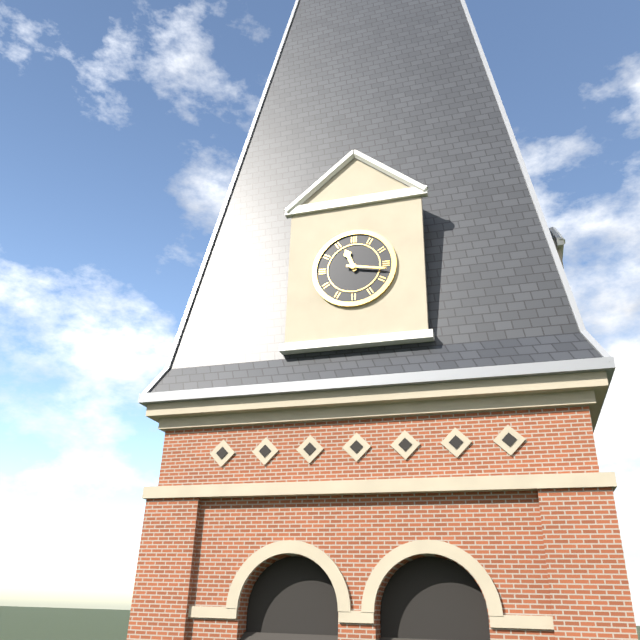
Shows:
11h17
